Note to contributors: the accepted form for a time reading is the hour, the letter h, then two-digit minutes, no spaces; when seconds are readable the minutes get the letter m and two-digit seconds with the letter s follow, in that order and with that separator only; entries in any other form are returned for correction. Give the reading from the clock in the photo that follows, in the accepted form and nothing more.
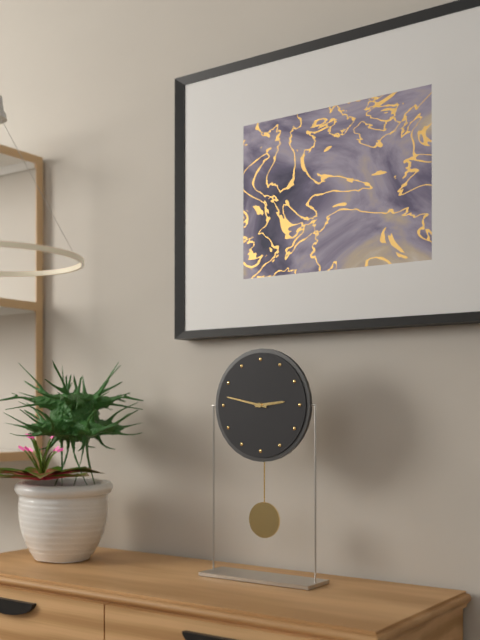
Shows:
2h47
